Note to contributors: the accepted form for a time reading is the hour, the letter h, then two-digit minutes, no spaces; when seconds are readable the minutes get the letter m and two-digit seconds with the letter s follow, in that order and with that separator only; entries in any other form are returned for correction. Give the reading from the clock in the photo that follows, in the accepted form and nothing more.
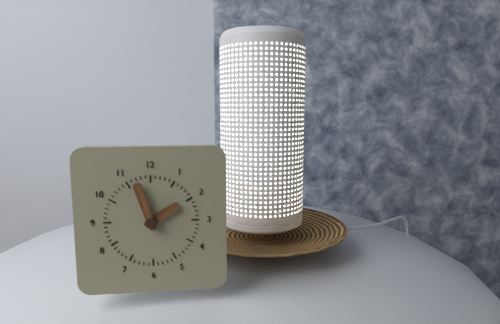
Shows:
1h57
